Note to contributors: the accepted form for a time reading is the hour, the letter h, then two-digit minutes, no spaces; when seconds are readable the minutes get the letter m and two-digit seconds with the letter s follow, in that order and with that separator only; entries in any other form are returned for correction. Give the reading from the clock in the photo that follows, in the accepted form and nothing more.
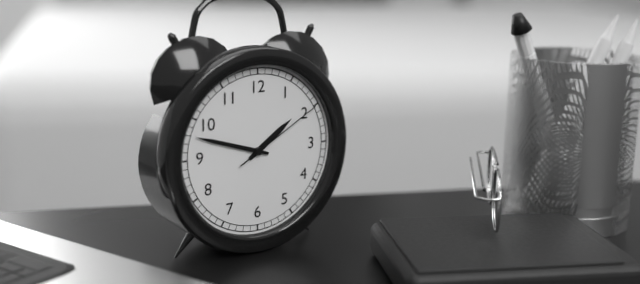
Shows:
1h48m10s
